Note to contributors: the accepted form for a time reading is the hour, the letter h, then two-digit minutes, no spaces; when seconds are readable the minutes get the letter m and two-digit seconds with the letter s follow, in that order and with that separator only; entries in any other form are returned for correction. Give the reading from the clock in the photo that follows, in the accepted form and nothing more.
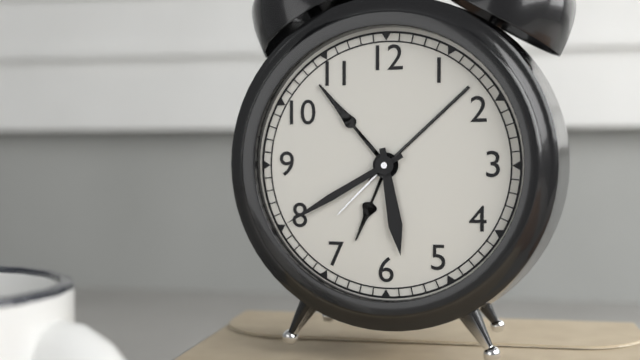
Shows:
5h40
